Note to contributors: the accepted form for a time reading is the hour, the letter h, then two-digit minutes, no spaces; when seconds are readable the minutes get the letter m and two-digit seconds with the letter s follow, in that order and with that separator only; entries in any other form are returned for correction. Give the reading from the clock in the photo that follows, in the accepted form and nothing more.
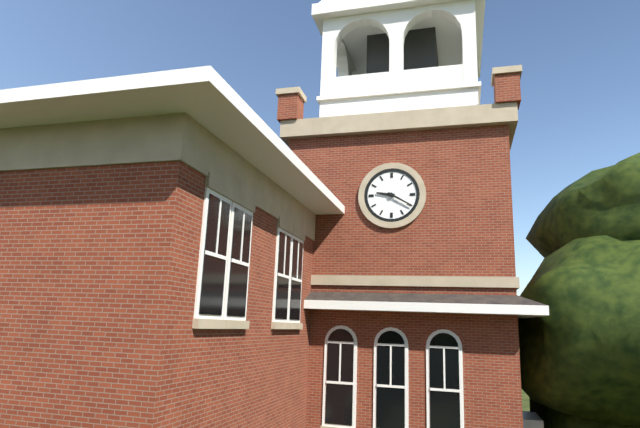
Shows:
9h20
